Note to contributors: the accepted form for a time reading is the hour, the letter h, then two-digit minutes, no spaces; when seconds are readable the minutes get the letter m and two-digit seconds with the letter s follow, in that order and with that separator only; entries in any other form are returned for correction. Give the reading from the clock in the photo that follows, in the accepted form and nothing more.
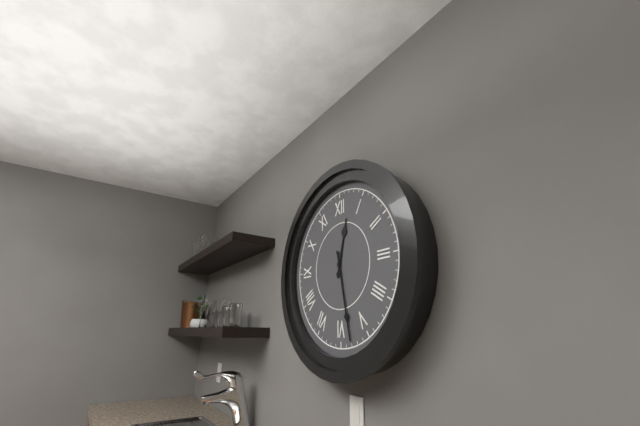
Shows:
12h28
